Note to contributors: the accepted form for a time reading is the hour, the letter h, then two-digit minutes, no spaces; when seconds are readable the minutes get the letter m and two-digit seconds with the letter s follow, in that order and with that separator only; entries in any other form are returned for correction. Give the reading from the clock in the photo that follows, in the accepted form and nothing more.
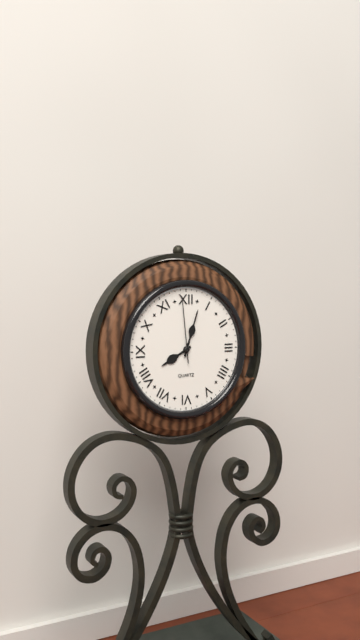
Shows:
8h03m59s
